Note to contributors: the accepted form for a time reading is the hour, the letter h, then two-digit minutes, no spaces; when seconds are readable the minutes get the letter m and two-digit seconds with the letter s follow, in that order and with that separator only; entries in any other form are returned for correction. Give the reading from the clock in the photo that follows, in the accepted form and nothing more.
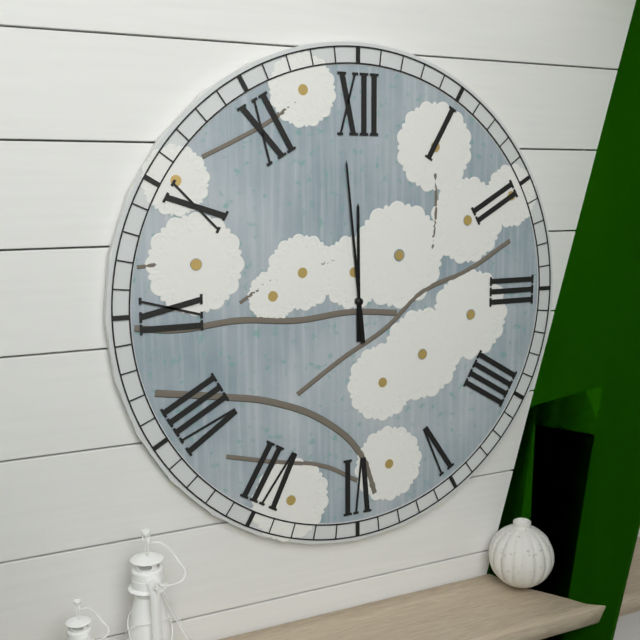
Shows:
11h59
